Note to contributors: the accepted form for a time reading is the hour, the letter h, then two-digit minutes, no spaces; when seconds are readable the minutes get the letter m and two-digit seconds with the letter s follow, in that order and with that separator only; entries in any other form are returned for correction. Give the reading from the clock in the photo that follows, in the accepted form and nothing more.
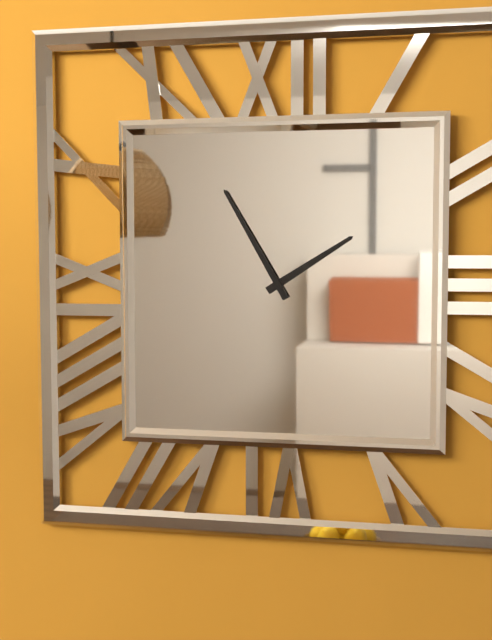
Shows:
1h55
